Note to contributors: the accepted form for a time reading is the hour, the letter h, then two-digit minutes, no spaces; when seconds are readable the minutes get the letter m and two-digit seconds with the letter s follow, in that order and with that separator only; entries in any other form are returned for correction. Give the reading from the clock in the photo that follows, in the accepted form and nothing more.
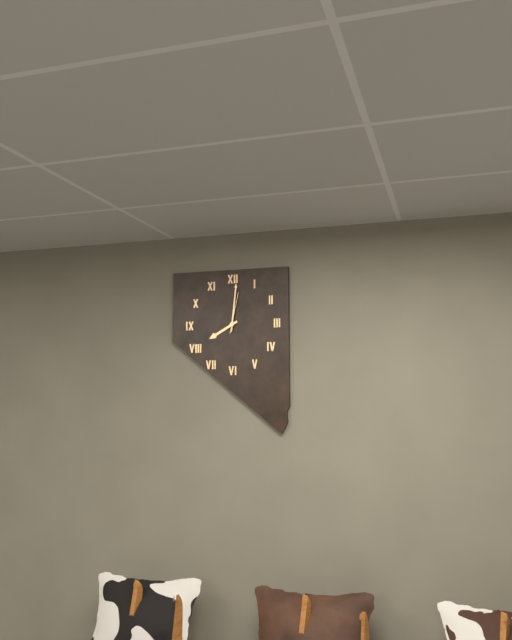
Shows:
8h01
